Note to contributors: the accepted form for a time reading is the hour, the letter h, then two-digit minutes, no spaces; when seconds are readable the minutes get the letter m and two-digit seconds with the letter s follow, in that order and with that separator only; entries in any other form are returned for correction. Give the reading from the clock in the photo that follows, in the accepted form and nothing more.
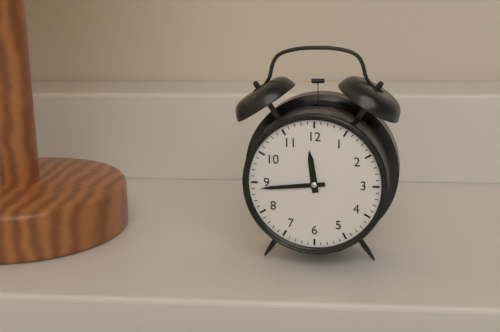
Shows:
11h44
